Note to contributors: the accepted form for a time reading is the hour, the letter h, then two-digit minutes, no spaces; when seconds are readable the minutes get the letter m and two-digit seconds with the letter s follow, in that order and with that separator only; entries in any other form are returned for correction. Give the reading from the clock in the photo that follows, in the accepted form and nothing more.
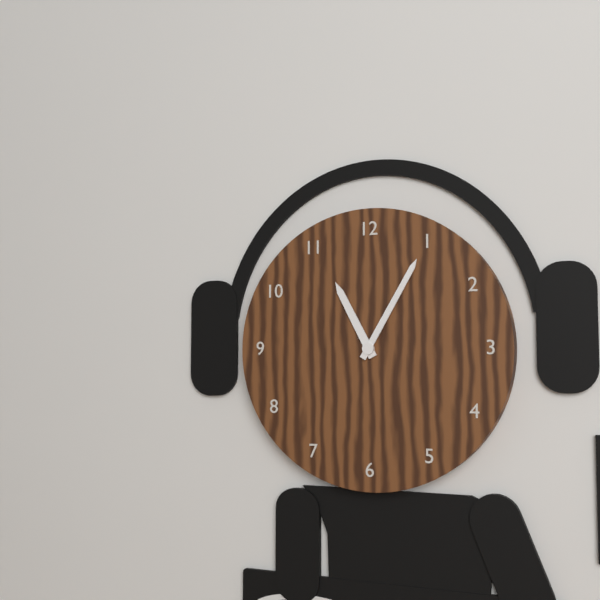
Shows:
11h05
